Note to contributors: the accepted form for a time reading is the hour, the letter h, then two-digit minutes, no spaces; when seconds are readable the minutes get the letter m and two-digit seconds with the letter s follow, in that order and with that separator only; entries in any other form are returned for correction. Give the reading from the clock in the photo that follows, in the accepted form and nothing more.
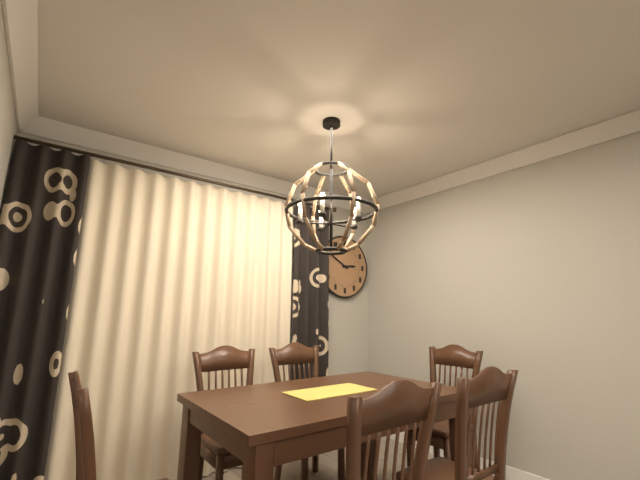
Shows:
2h50
